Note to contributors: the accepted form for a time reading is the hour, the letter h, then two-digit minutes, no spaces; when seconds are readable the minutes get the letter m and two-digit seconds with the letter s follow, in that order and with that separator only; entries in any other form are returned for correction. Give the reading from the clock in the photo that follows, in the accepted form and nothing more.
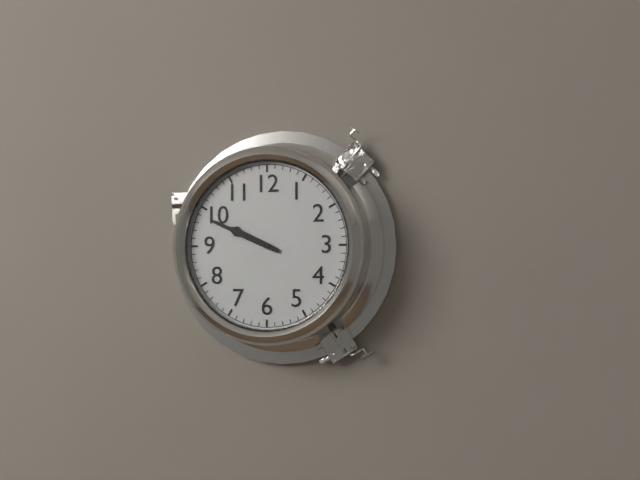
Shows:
9h49
